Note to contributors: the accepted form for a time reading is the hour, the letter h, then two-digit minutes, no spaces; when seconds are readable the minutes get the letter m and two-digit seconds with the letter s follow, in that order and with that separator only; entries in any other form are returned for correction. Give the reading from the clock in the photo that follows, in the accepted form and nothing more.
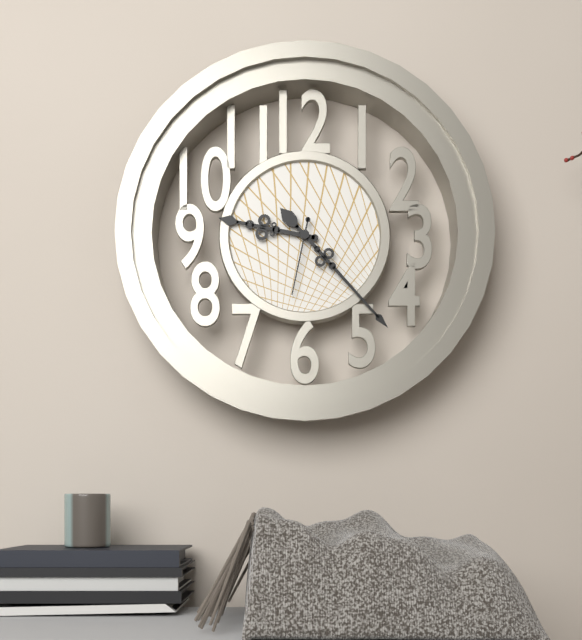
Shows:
9h23m32s
